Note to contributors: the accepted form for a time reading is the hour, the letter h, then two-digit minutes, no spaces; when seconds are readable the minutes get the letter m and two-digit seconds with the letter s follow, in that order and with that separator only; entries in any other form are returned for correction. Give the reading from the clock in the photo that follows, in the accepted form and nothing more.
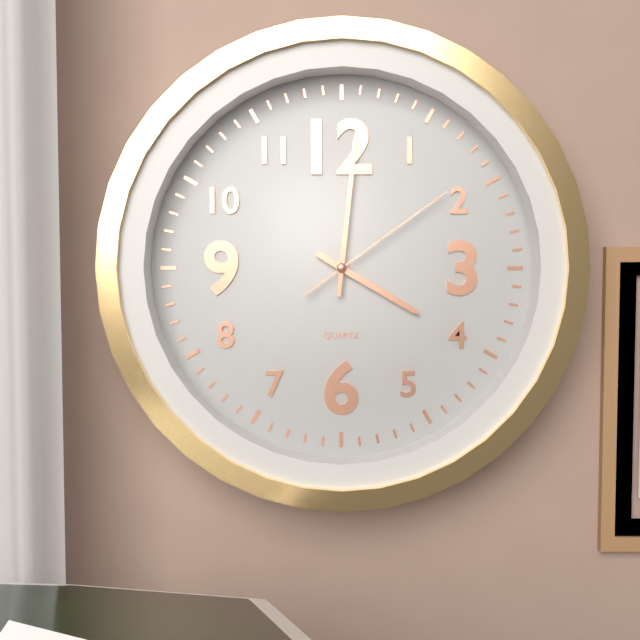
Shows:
4h01m09s
